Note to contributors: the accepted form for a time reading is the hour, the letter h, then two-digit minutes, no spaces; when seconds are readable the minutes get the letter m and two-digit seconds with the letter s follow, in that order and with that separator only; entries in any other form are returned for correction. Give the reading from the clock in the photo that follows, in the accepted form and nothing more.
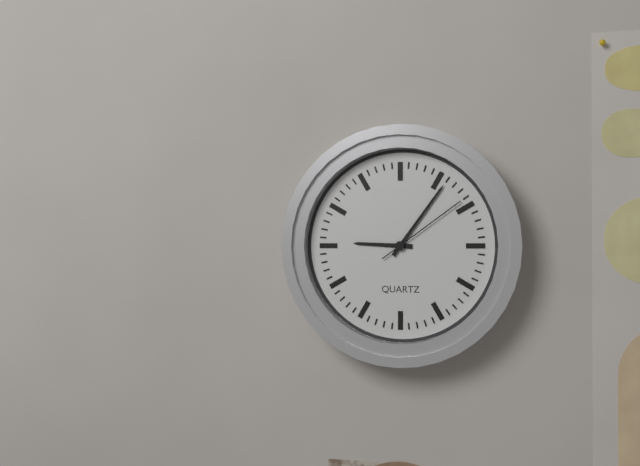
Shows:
9h06m09s
